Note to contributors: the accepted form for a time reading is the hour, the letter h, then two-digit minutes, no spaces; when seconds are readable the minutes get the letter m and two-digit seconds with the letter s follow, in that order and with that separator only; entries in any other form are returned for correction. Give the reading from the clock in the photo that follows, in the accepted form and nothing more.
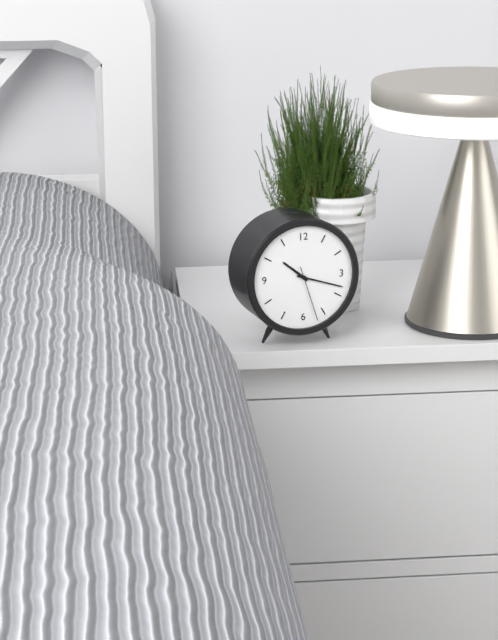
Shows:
10h18m27s
